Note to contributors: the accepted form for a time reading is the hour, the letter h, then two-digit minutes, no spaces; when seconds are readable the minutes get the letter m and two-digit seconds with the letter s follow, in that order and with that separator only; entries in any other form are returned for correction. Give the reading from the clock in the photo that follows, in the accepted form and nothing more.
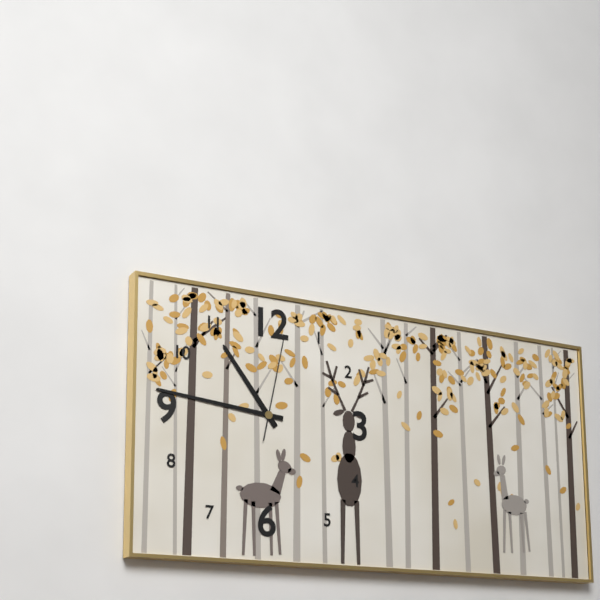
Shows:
10h46m02s
